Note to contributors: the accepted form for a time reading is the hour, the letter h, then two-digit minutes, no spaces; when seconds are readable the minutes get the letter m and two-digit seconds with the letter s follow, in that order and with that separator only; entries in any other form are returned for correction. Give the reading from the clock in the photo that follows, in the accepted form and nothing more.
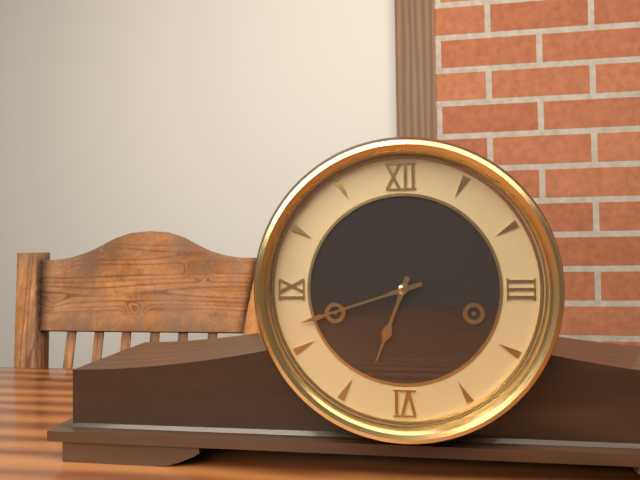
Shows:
6h42
